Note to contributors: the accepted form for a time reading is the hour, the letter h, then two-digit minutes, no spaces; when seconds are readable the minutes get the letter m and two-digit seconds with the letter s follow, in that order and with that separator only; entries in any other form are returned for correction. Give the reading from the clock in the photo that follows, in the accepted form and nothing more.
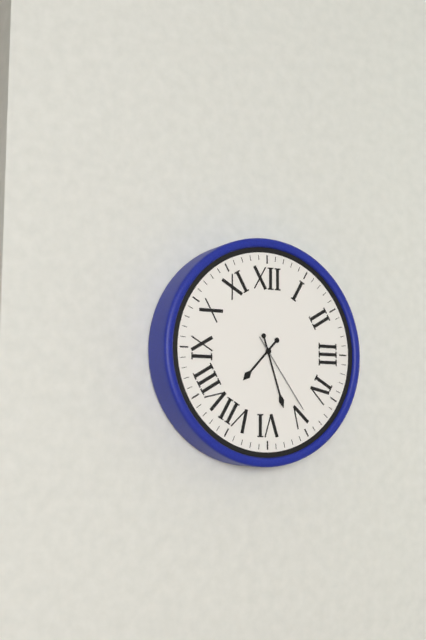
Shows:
7h27m24s
